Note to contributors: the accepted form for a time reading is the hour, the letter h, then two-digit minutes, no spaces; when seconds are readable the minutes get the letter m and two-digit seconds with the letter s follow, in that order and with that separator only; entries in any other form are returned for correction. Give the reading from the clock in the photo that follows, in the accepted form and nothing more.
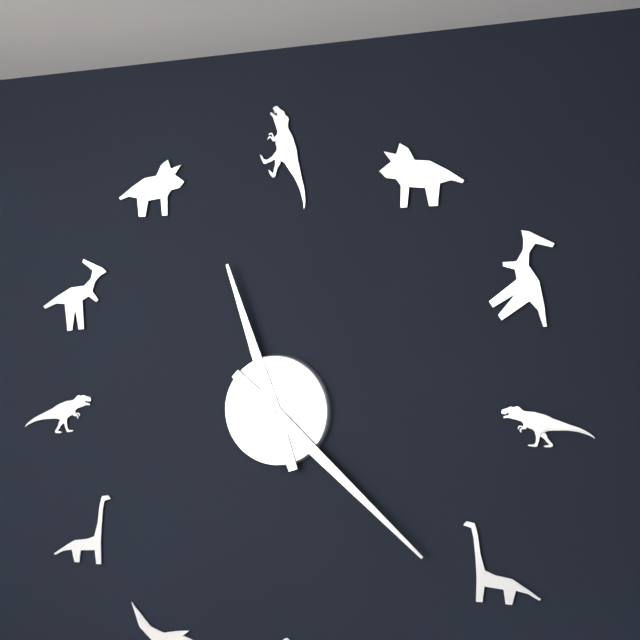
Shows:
11h22
